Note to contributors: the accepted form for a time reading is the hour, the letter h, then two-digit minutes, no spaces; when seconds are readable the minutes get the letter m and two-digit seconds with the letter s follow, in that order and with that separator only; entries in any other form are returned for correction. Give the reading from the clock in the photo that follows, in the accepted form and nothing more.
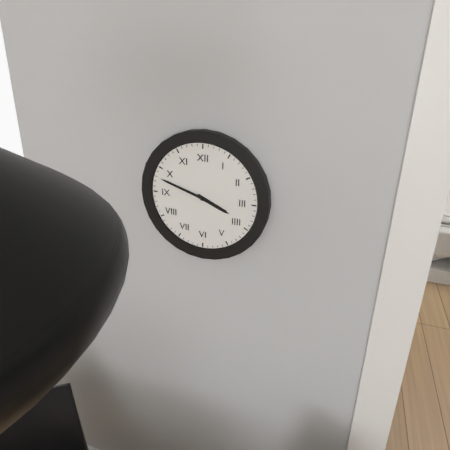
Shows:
3h48
